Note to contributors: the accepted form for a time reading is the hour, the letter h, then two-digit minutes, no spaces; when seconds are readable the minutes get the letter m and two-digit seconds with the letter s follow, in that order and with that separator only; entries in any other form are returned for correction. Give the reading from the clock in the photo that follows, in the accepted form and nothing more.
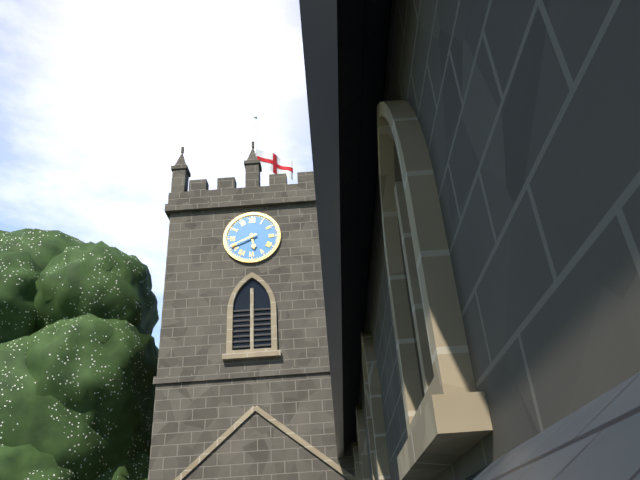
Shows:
5h41
